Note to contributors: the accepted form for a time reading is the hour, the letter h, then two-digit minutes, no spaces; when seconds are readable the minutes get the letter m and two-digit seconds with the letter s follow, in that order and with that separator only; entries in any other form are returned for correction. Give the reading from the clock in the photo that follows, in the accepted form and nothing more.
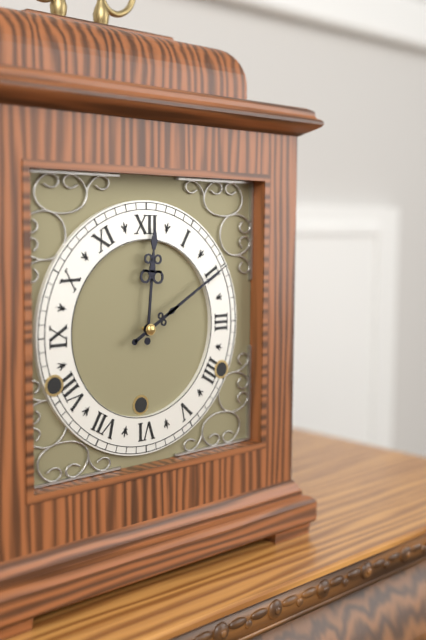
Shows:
12h10
